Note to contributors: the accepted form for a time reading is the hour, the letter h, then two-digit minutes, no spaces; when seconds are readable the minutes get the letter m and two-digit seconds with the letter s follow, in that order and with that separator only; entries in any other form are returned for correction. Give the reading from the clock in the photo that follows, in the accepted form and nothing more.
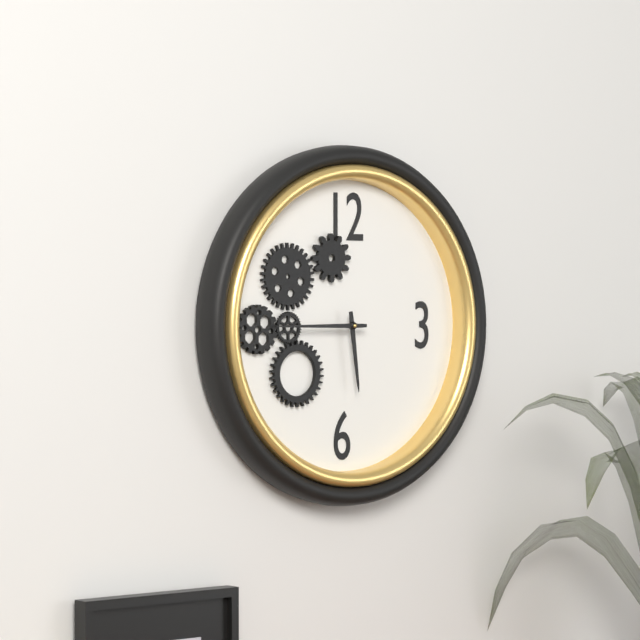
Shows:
5h45
